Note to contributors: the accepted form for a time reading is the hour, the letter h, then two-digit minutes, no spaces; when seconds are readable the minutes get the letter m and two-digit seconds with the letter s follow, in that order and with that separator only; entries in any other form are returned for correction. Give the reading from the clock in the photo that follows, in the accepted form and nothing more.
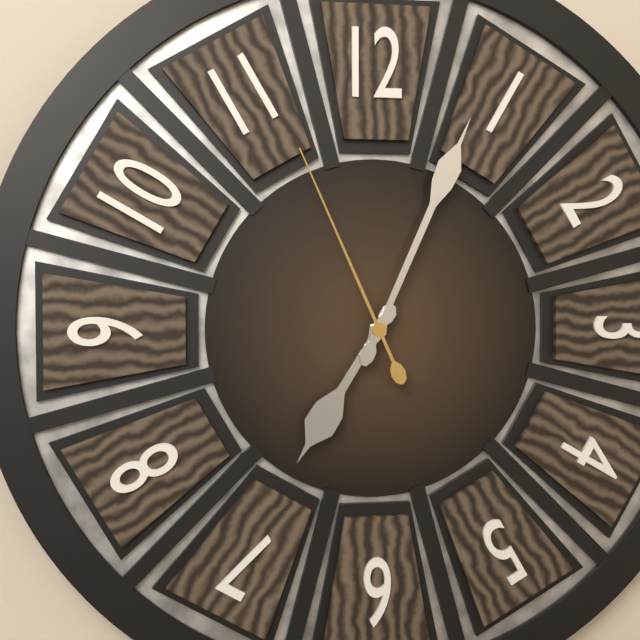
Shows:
7h04m56s
